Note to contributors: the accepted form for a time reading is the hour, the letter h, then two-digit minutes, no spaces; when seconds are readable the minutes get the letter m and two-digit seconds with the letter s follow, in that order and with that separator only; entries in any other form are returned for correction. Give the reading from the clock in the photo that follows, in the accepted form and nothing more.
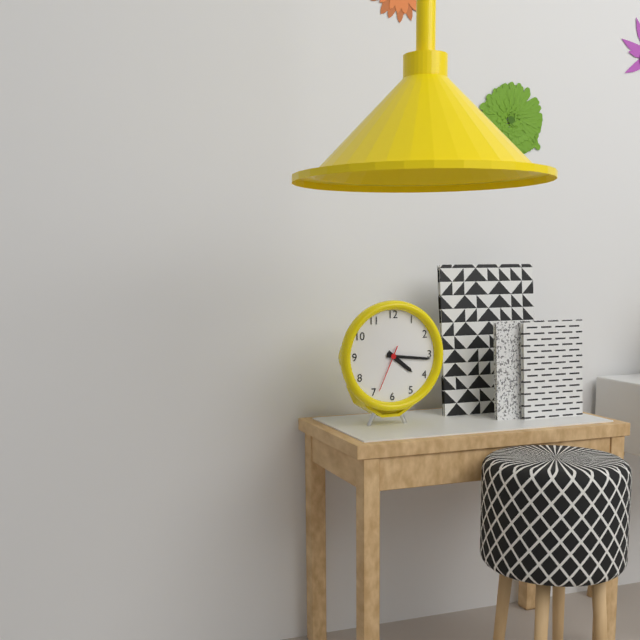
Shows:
4h16
